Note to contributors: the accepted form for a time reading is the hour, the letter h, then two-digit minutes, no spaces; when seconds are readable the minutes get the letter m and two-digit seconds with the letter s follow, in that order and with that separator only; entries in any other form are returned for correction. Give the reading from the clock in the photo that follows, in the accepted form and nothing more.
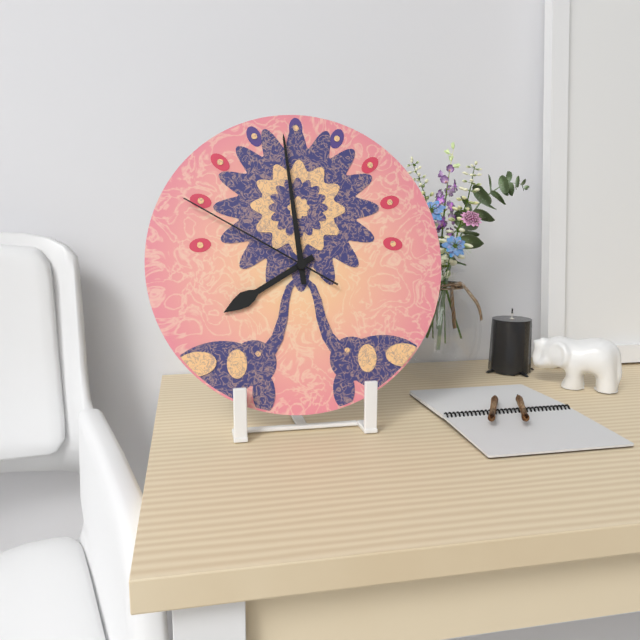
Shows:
7h59m50s
